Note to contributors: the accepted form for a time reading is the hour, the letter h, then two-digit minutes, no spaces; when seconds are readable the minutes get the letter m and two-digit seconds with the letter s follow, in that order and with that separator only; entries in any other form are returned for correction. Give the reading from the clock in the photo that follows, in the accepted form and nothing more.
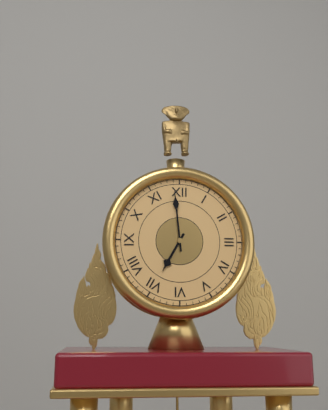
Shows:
6h59
